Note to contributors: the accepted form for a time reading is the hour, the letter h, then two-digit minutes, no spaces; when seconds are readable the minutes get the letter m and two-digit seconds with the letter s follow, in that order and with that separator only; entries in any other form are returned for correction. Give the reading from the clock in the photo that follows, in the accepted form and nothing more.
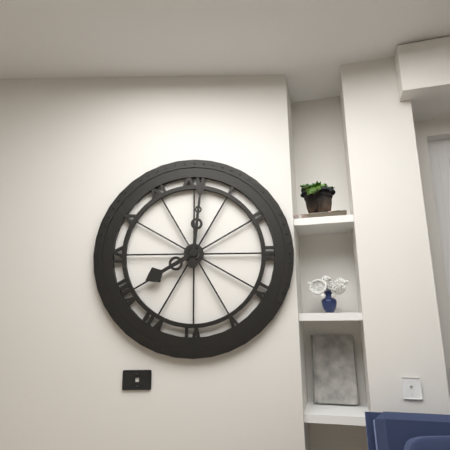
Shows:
8h01
